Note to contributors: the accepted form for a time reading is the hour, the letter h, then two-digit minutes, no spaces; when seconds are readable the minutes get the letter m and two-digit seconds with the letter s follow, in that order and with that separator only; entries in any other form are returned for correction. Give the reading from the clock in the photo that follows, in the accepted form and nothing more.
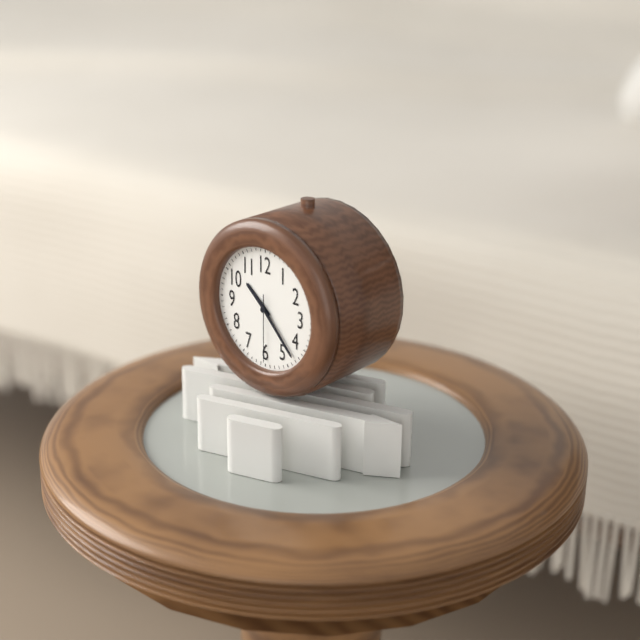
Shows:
10h23m30s
